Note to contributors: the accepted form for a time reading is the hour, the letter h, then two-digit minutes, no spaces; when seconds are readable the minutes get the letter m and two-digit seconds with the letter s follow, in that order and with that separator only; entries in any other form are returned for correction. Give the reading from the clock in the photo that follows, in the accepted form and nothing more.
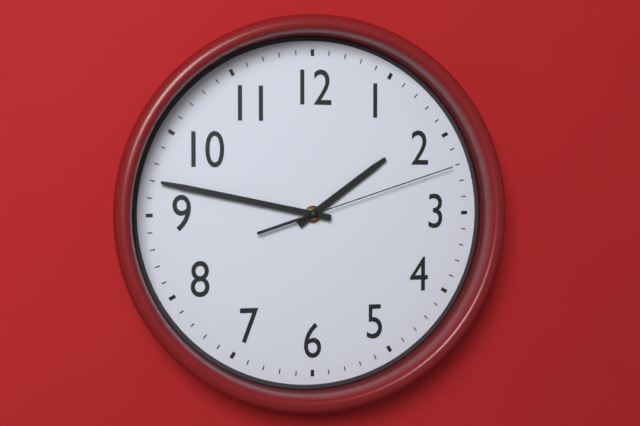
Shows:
1h47m12s
